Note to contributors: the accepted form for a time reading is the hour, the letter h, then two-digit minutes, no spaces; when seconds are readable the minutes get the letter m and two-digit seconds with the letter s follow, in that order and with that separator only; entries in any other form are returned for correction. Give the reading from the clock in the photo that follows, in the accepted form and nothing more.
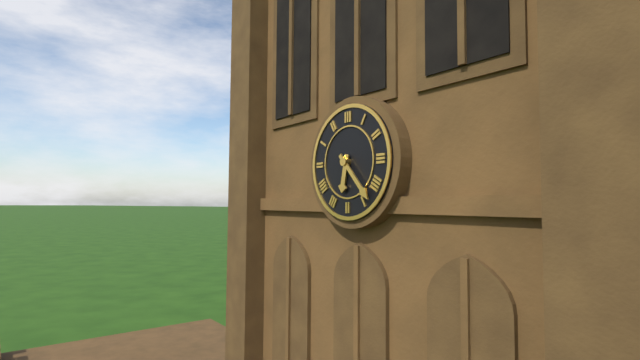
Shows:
6h23
